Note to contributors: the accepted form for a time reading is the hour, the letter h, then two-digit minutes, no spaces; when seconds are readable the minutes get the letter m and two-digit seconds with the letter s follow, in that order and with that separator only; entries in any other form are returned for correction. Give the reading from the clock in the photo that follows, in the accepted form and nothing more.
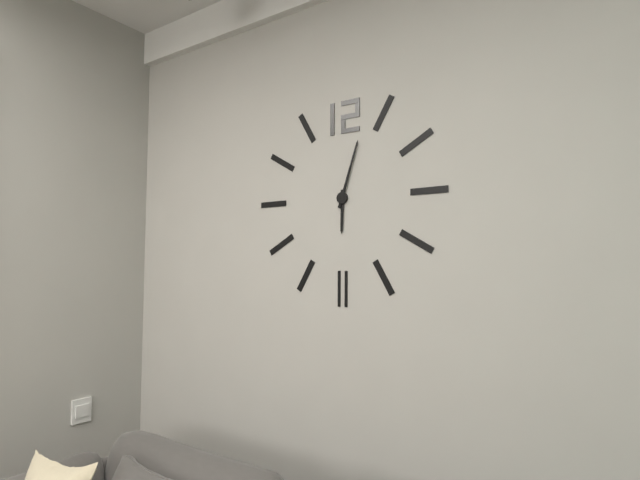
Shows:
6h03
